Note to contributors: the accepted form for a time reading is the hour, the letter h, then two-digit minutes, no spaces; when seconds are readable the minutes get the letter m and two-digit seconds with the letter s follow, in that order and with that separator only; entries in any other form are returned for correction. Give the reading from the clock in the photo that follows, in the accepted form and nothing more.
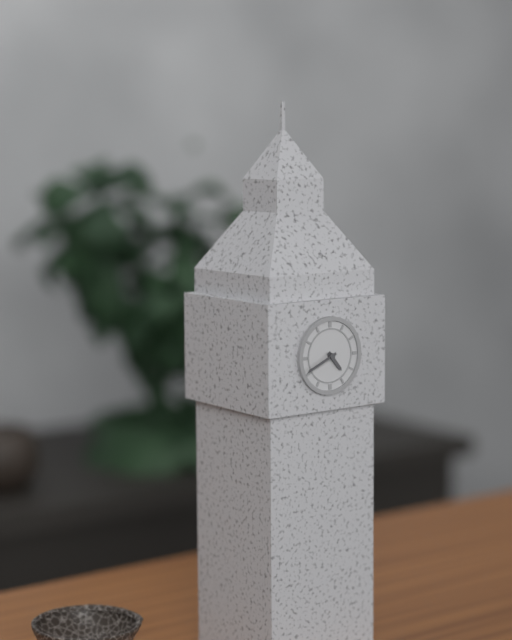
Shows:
4h41
